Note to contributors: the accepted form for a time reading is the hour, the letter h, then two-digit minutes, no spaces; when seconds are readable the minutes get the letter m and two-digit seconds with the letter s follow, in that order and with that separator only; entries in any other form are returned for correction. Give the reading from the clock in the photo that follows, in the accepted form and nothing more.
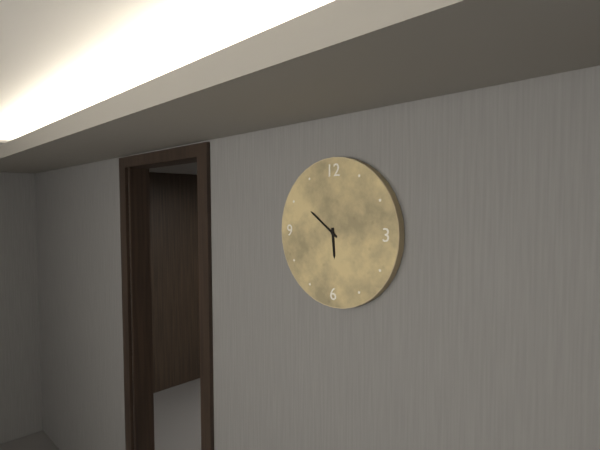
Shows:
5h51
